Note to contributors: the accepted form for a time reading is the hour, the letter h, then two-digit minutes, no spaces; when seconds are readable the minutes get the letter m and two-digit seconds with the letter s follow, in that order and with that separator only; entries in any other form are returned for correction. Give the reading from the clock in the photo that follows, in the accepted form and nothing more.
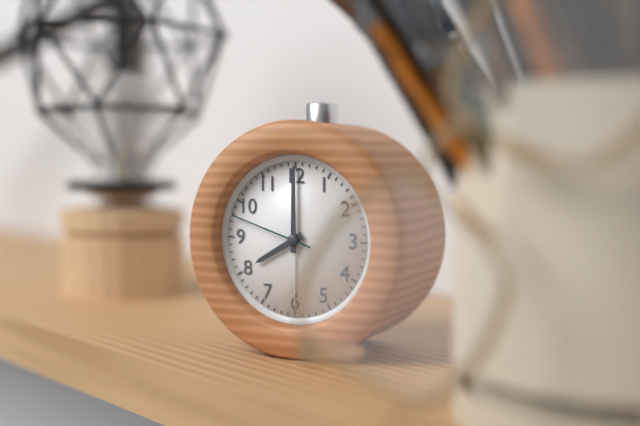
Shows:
8h00m48s
